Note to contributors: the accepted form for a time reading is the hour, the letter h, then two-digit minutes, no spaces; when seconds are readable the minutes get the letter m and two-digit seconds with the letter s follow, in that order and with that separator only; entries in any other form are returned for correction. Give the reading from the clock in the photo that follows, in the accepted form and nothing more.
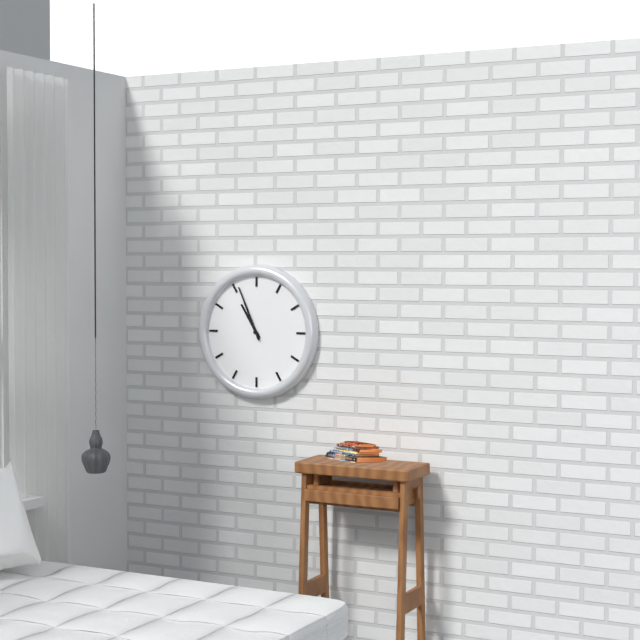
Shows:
10h56
